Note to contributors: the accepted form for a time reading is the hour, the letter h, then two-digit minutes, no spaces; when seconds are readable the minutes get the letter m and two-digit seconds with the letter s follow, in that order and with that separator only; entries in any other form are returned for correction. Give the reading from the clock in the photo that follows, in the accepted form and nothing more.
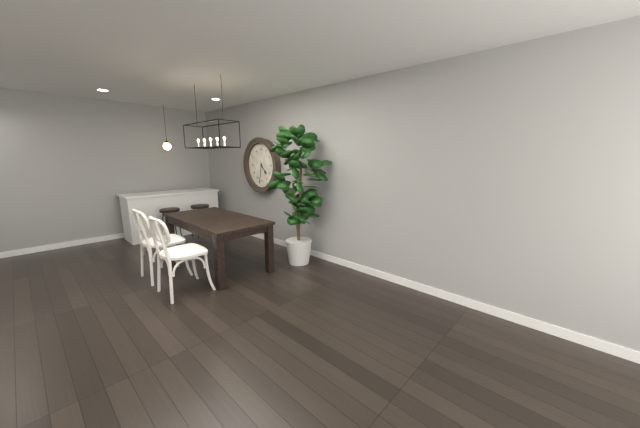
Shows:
4h32
